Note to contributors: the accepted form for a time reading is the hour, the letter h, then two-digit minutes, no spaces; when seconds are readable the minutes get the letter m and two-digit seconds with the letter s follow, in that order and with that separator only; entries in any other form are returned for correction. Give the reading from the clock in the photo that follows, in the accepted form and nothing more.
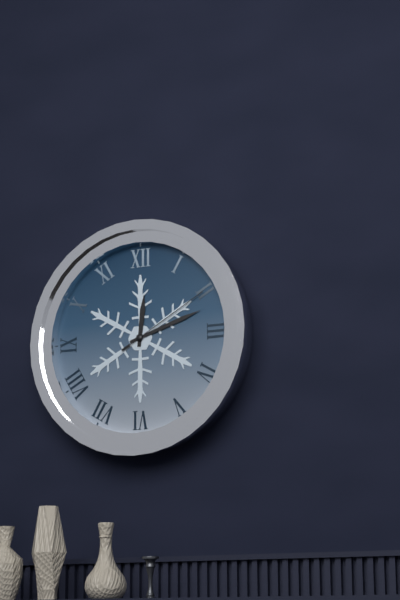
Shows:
12h12m10s
